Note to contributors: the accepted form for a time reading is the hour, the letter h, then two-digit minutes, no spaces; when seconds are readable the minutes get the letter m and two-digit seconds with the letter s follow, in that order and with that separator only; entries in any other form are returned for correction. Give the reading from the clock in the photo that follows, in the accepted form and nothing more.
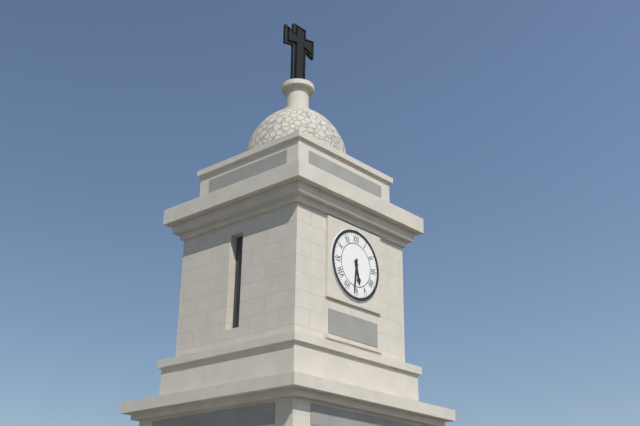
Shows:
5h31
